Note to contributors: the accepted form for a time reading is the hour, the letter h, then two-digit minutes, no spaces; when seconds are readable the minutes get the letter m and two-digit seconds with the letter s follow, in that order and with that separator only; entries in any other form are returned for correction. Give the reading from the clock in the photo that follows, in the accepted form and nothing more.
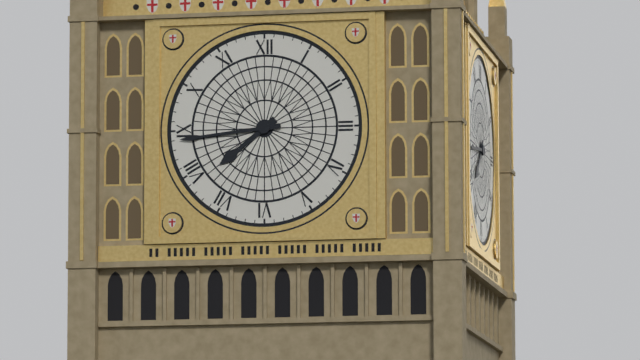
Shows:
7h44
